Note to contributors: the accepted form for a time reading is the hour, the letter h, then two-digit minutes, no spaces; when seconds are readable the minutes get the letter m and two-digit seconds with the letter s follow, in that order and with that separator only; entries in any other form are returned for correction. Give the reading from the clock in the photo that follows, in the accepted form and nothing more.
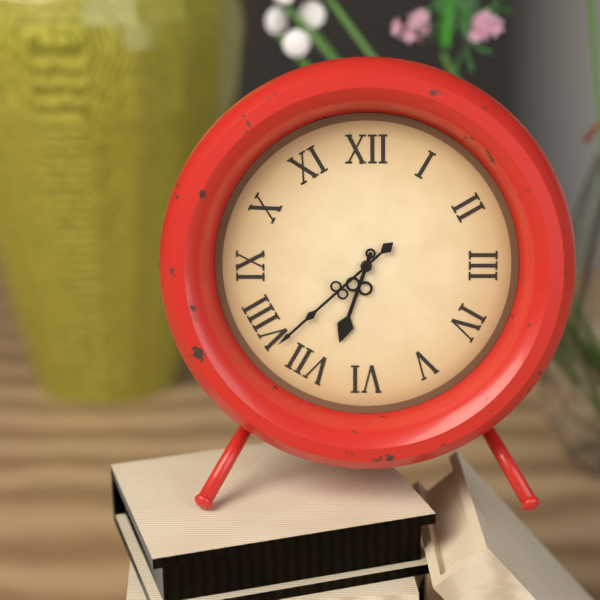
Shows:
6h38
